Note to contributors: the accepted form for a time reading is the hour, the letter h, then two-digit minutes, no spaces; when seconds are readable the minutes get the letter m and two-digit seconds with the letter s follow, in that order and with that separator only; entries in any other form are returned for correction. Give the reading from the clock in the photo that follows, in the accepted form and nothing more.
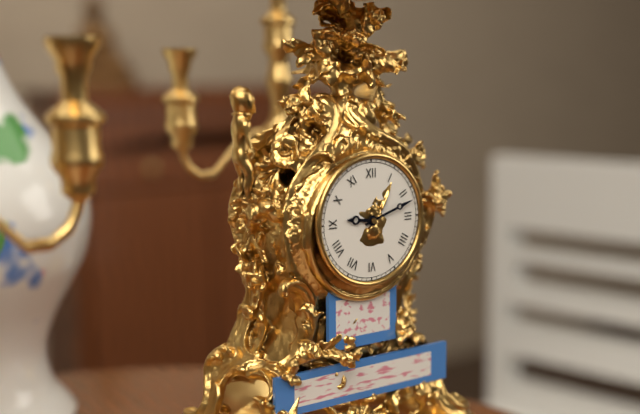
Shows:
9h12
